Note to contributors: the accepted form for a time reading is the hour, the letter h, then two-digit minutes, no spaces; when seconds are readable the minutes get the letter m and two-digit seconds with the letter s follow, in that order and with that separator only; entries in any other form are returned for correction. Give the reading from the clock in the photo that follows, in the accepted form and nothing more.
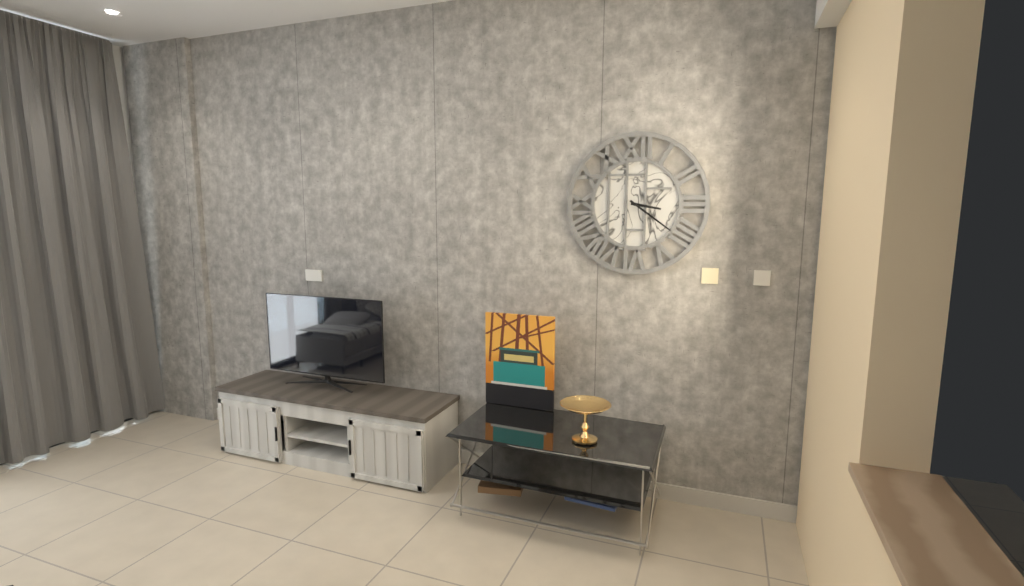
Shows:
3h21
